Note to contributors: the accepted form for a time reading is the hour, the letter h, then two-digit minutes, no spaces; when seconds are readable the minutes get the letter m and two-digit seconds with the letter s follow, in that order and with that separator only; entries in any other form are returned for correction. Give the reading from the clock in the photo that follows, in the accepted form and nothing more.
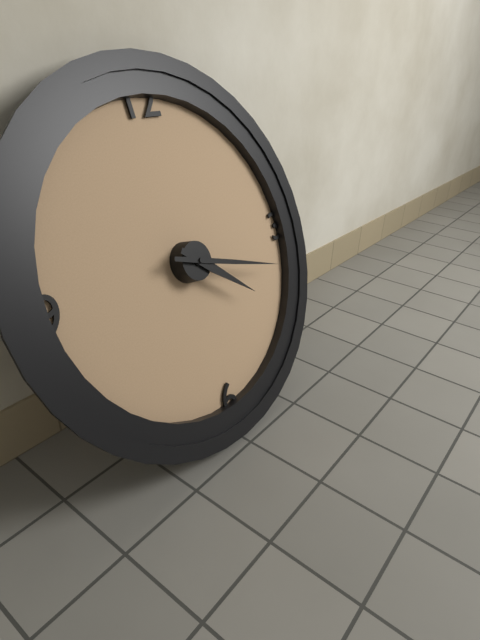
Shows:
4h18
